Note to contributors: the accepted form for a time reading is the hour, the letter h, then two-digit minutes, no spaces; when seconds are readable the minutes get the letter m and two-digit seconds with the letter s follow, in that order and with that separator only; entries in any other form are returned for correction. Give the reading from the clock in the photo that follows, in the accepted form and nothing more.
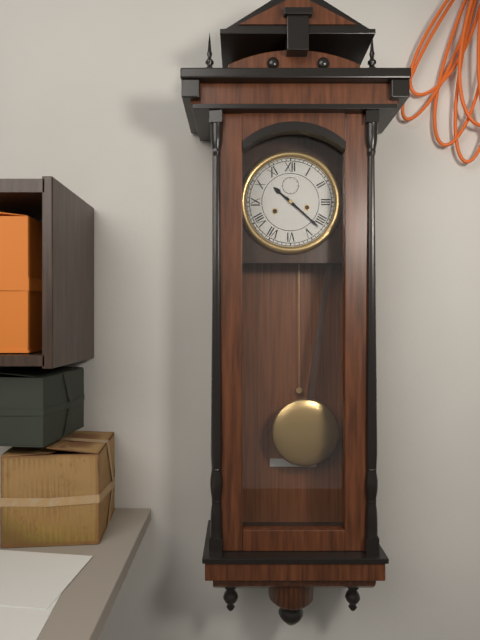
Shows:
10h22
